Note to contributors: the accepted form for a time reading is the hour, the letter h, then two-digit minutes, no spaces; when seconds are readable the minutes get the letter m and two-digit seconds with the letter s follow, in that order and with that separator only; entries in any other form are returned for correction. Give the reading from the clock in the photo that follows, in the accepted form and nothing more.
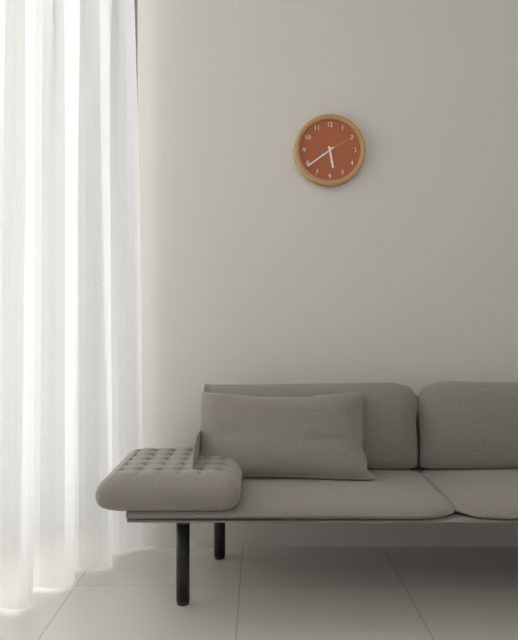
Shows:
5h39
